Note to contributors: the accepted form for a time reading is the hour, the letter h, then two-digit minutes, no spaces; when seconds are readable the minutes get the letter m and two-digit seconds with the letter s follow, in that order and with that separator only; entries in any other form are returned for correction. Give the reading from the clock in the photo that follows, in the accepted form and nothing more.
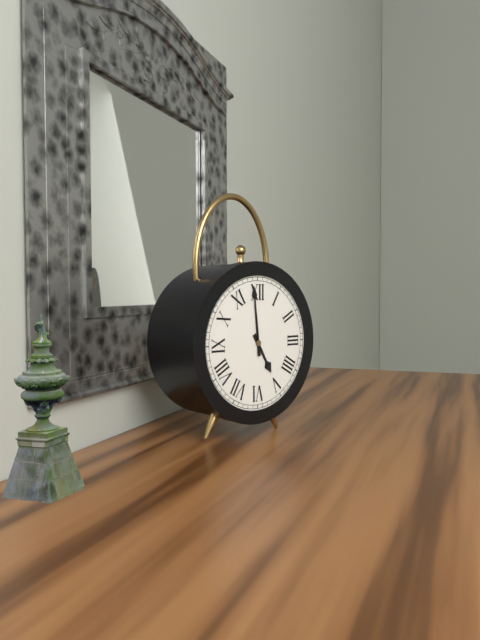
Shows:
4h59
